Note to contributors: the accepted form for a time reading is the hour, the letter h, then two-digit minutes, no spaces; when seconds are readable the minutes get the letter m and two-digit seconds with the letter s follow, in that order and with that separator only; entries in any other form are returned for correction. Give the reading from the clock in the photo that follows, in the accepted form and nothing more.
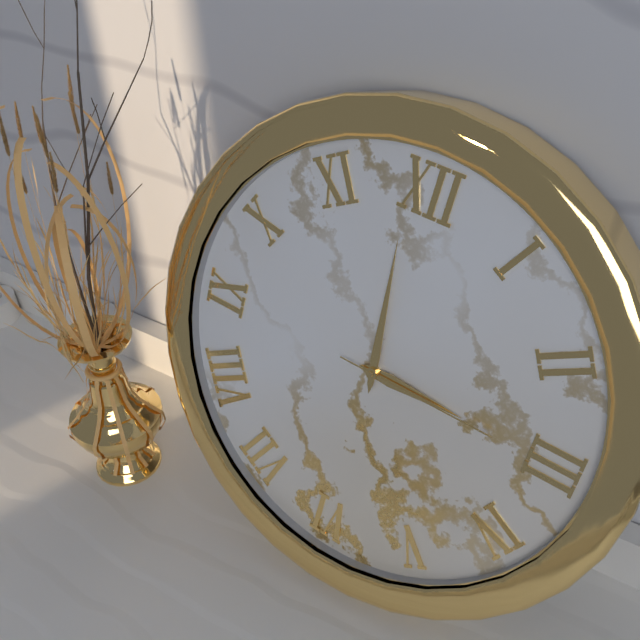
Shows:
2h59m15s
